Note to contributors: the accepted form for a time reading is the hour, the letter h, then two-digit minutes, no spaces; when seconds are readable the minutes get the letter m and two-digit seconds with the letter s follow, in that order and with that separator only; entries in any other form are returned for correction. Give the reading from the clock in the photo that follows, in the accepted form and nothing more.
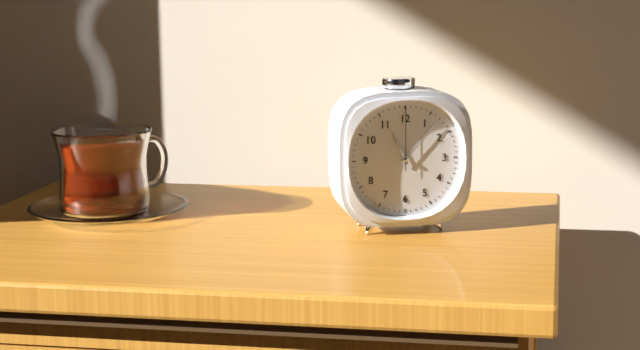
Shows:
11h07m00s
